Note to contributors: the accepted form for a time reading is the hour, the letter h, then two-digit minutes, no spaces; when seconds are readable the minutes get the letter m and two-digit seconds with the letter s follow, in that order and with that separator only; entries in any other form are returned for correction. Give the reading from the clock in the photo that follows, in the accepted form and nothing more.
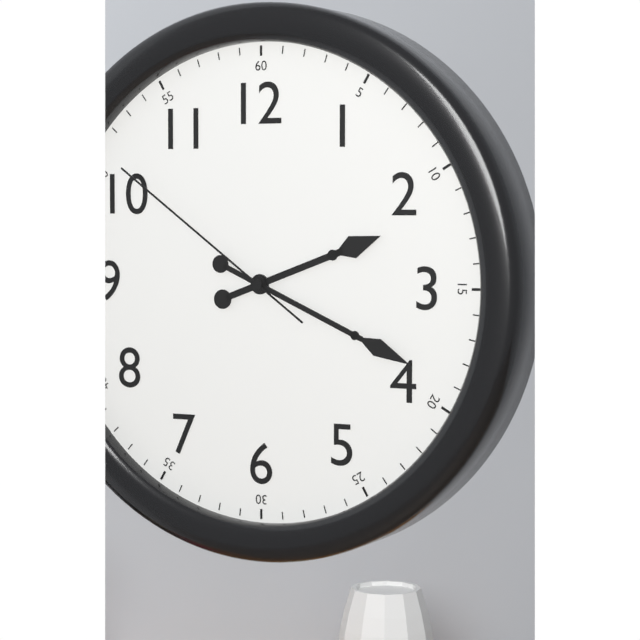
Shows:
2h19m51s
